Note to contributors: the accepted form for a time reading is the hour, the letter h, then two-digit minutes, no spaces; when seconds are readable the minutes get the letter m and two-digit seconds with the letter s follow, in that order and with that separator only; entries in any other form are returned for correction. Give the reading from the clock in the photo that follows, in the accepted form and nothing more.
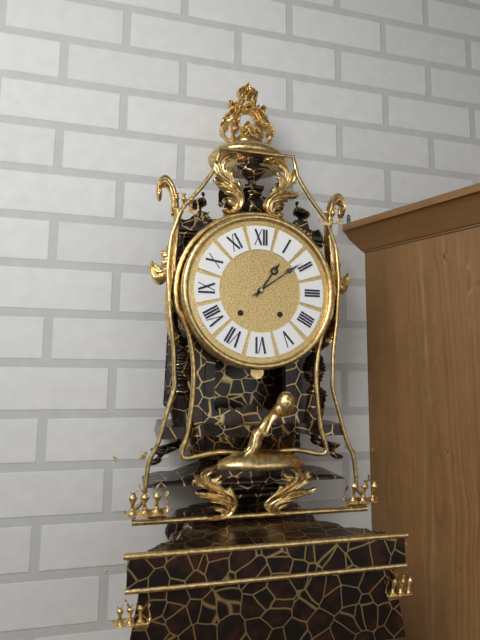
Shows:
1h09
